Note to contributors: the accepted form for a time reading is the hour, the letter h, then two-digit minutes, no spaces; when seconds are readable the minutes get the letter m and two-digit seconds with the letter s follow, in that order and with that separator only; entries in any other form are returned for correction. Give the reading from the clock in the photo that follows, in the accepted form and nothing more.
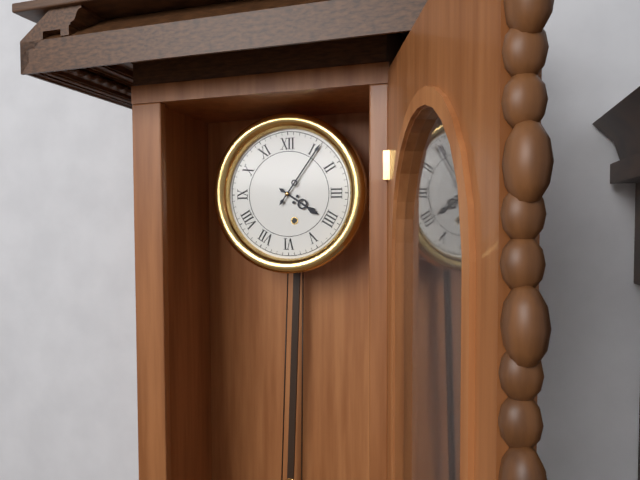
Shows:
4h06
